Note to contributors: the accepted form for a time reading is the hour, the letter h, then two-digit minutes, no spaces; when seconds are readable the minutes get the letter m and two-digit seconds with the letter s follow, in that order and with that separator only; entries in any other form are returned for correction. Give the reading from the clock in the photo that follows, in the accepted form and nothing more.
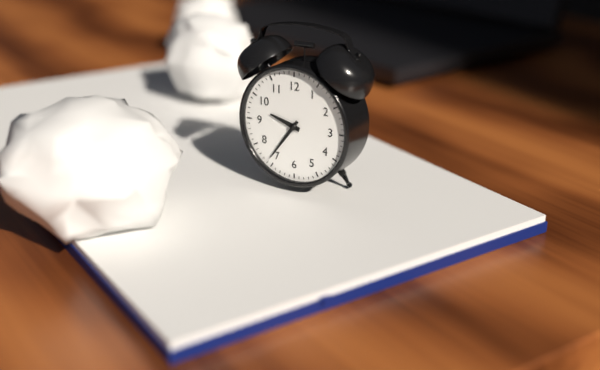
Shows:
9h36
